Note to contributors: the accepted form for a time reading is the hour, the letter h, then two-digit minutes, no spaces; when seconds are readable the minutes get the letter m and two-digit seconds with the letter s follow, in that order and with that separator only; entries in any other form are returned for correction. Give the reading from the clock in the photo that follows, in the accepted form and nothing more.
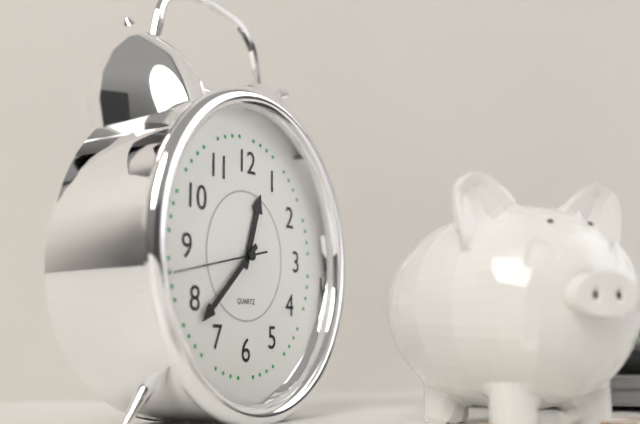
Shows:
12h38m43s
